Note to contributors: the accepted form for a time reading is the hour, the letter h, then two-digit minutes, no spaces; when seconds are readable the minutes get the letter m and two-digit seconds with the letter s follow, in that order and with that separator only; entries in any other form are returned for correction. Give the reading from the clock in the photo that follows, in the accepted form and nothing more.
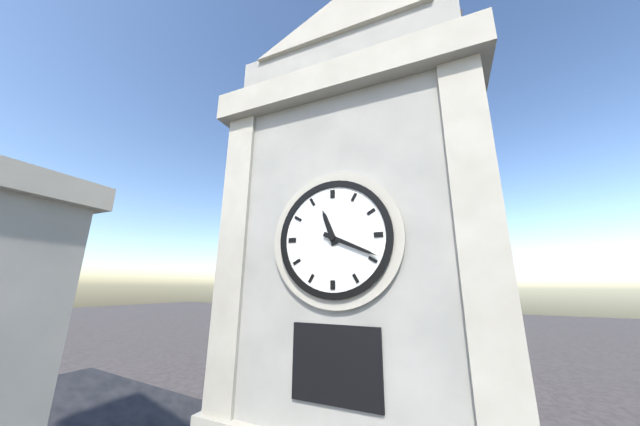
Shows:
11h19
